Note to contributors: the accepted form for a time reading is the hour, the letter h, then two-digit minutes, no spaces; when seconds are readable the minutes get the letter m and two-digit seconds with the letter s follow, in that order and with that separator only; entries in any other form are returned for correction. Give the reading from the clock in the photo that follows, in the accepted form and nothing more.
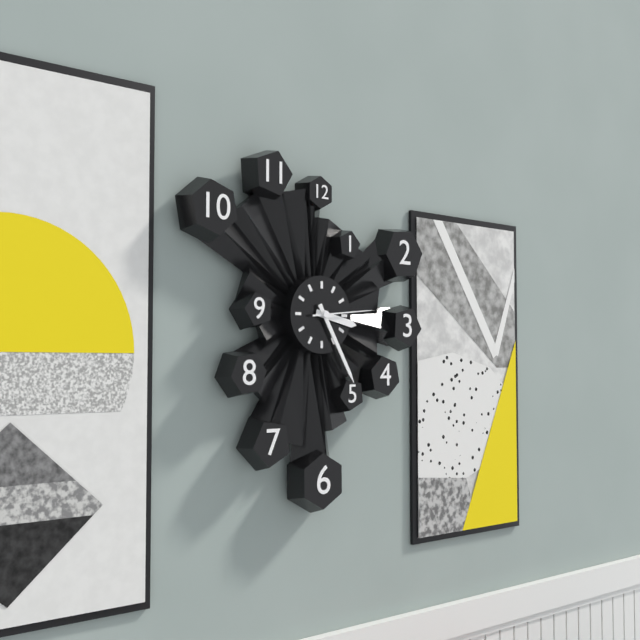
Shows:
3h25m14s
